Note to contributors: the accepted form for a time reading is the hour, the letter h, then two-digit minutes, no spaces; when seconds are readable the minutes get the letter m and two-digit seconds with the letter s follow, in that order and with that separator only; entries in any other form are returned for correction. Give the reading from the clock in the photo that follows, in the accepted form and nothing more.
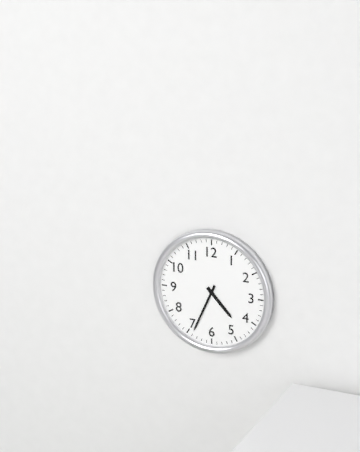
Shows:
4h34
